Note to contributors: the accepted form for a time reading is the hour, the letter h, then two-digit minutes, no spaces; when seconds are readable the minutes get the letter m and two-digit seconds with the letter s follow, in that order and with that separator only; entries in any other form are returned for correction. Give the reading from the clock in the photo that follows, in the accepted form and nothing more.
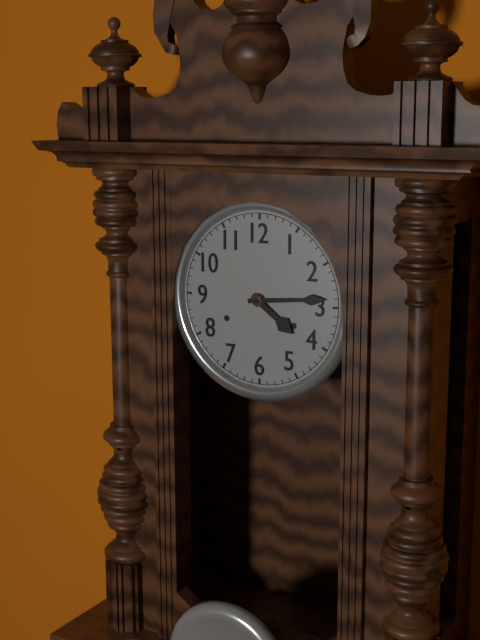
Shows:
4h14
